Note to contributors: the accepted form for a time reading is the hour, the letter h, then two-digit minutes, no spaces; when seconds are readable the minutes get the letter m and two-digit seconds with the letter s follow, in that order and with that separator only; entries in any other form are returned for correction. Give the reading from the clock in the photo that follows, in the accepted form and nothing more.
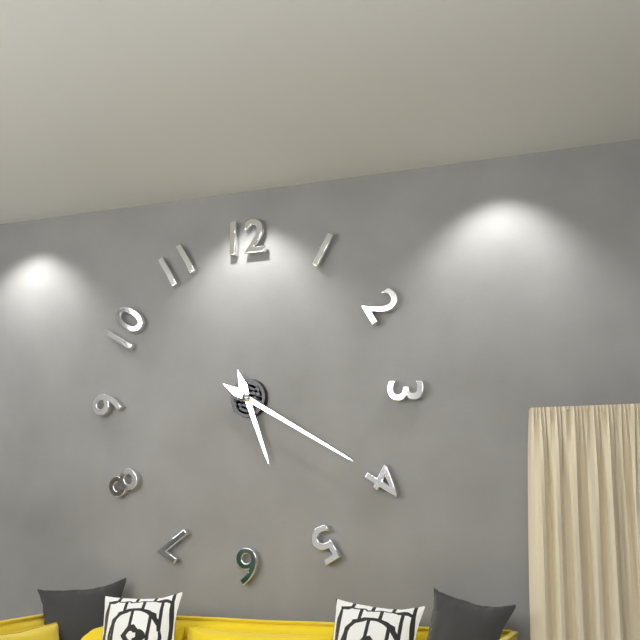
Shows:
5h20
